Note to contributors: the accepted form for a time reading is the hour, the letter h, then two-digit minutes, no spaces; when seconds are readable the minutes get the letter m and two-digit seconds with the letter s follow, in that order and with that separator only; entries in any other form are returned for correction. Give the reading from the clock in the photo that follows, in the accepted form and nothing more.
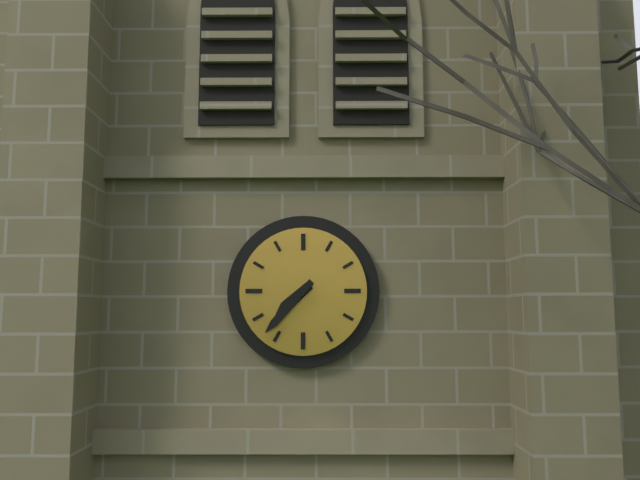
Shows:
7h37
